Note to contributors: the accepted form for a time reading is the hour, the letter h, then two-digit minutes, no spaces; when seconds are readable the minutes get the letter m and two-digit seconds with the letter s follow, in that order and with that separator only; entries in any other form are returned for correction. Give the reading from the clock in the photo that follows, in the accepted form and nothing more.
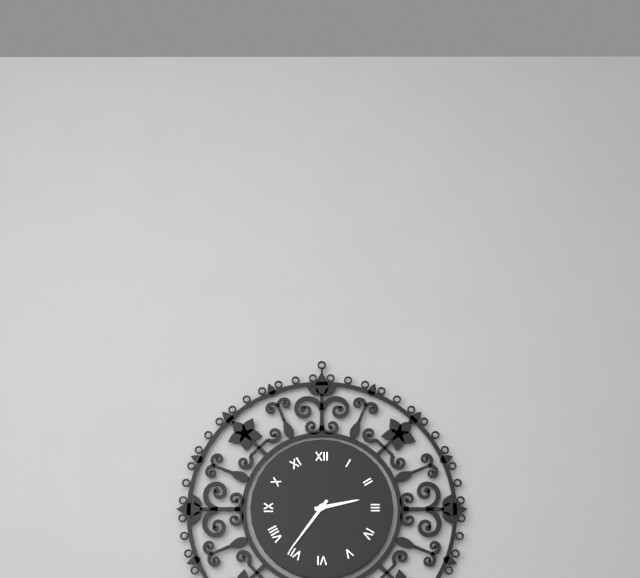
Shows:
2h36
